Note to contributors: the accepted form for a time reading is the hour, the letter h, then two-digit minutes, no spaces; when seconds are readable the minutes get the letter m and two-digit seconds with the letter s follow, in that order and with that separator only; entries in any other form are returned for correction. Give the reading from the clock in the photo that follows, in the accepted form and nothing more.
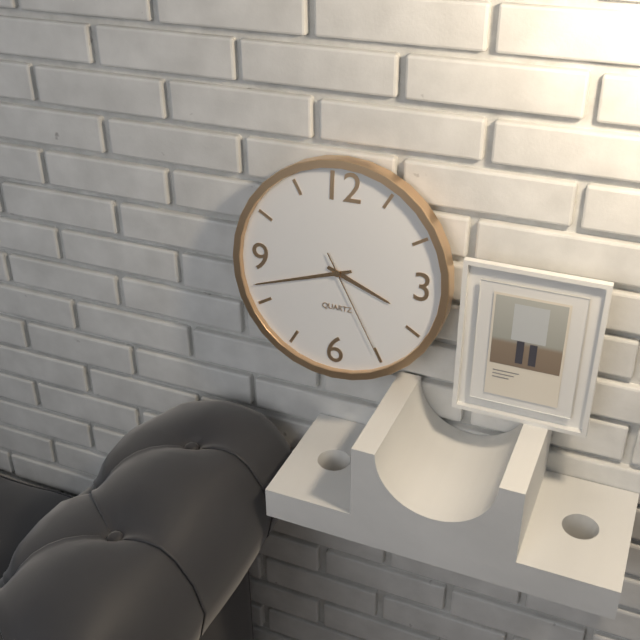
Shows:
3h42m25s
